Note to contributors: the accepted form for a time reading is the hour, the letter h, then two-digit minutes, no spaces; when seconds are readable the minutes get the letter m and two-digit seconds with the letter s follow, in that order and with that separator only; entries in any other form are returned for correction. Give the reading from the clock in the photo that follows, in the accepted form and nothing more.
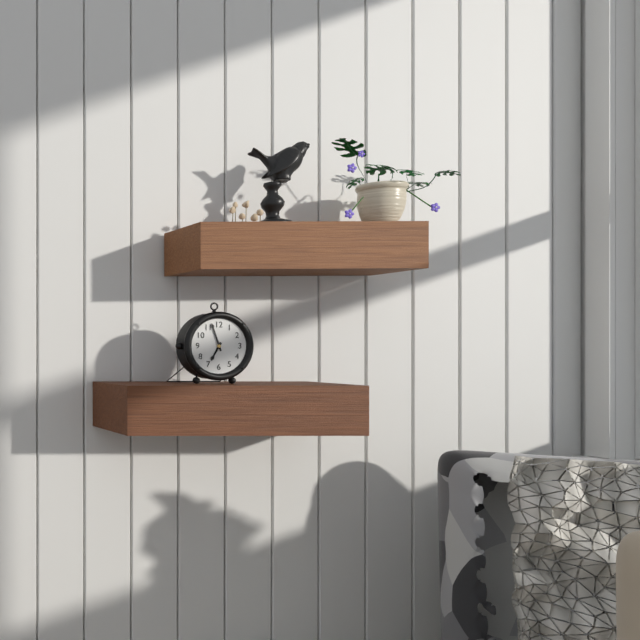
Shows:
6h57
